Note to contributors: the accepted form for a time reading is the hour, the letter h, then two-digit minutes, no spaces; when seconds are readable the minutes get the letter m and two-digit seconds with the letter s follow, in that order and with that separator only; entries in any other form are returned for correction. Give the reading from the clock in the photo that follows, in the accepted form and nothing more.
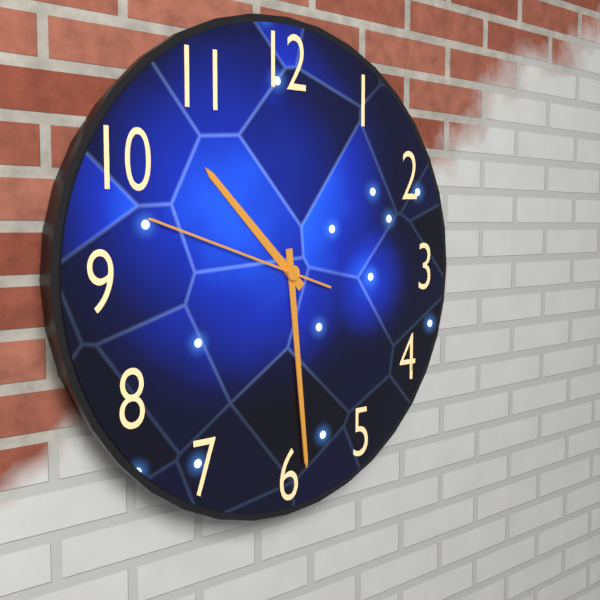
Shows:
10h29m48s
